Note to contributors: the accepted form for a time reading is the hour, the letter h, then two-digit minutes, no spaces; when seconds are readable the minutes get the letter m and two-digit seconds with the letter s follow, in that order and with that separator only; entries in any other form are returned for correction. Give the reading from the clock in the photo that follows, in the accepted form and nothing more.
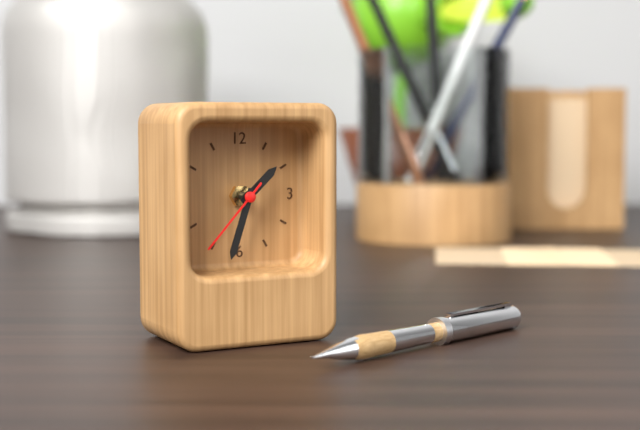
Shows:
1h33m37s
